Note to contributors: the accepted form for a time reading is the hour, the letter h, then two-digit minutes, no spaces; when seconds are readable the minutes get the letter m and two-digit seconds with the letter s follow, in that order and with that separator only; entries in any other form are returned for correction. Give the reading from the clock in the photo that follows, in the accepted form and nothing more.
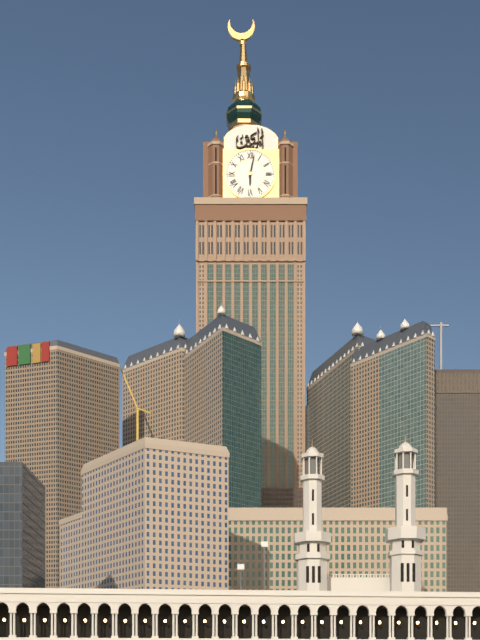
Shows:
6h02
